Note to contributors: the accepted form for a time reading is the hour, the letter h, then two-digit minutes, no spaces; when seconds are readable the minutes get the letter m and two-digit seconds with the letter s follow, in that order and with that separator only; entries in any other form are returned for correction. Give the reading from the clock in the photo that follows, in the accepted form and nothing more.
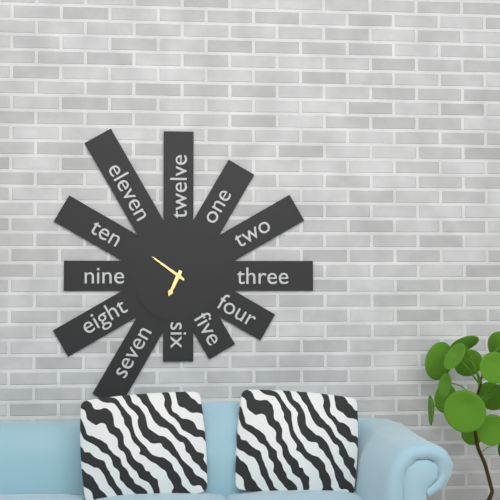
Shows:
6h51
